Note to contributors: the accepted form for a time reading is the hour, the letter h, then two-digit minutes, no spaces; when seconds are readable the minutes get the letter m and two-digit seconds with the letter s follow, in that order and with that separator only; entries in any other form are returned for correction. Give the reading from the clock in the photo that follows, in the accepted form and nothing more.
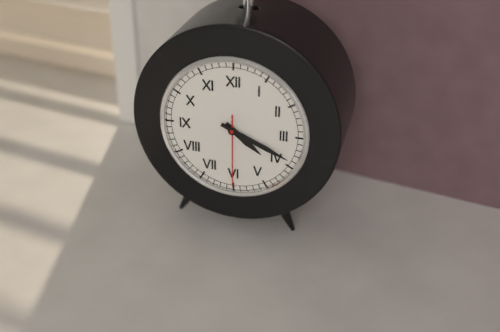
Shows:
4h19m30s
